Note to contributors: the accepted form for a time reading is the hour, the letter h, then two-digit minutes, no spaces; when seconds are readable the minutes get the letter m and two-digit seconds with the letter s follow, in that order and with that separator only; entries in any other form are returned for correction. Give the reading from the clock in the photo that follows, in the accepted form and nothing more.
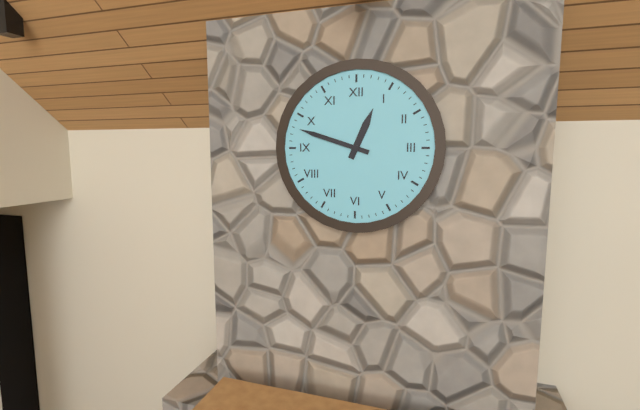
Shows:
12h48
